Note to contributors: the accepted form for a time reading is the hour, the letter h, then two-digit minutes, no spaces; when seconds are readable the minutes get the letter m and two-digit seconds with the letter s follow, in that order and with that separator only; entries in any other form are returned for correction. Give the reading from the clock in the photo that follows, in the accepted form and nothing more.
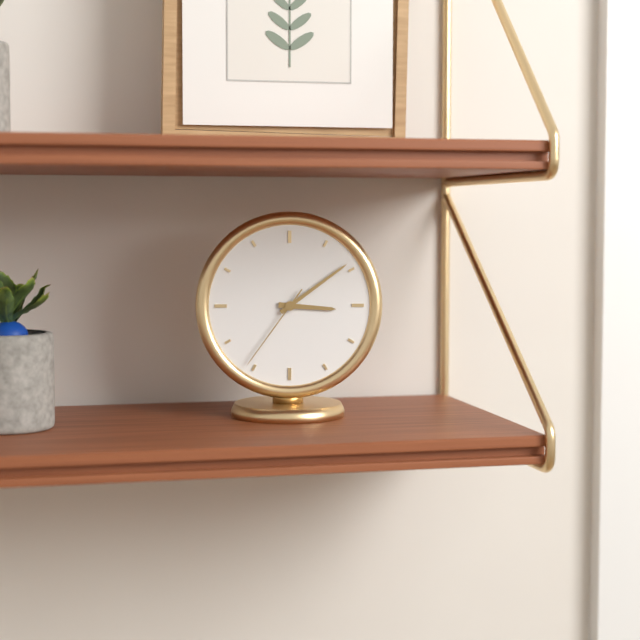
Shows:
3h09m36s
